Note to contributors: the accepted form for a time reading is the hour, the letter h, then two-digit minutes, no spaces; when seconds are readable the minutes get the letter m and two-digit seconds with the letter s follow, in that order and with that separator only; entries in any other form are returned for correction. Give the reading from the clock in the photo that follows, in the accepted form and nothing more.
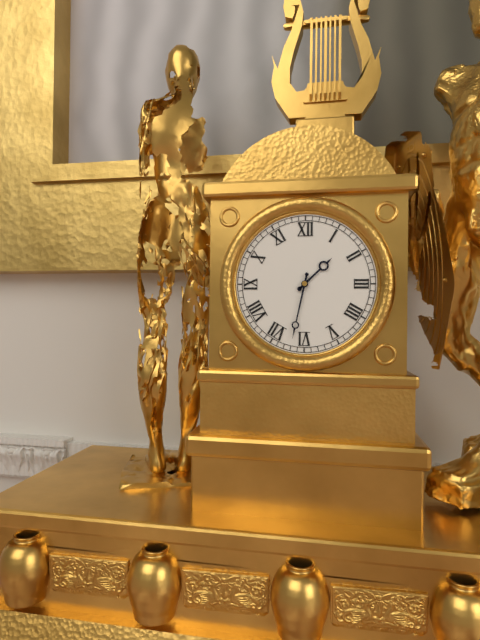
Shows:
1h32
